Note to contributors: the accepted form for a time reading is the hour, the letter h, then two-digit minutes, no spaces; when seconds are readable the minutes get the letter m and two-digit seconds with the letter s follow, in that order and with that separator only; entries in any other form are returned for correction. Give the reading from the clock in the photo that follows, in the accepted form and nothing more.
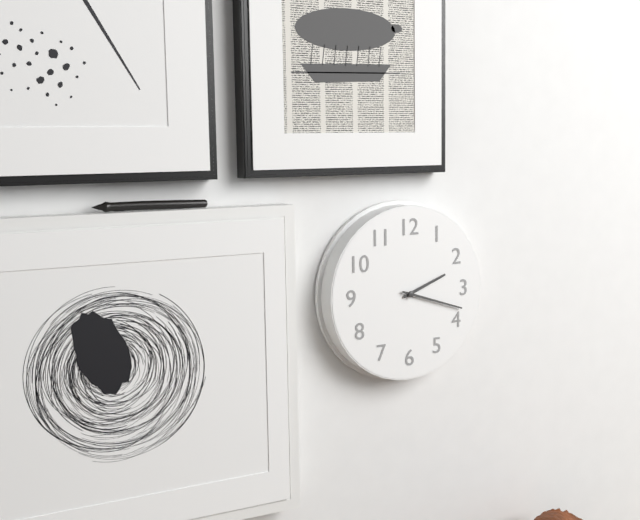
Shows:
2h18
